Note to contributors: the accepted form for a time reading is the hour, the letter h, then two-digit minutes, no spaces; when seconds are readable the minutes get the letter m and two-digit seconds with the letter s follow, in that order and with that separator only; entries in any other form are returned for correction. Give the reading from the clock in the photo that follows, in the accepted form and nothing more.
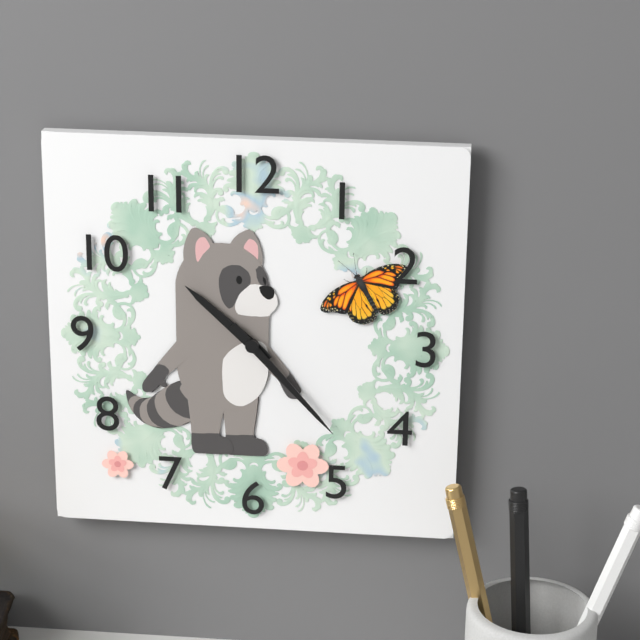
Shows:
10h23
